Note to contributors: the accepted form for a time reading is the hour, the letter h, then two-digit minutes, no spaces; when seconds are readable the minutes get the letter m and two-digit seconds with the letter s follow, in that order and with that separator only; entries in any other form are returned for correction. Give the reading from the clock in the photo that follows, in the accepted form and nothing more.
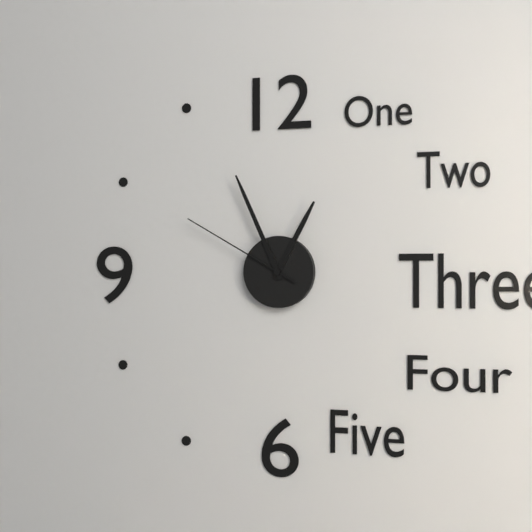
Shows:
12h56m50s
